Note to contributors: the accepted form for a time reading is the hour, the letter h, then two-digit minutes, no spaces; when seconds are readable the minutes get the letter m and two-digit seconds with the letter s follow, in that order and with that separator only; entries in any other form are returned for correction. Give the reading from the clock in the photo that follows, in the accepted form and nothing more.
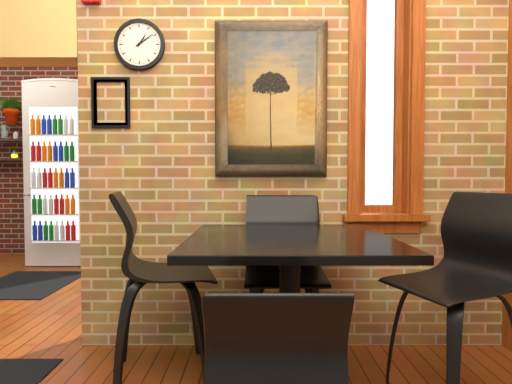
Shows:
1h09
